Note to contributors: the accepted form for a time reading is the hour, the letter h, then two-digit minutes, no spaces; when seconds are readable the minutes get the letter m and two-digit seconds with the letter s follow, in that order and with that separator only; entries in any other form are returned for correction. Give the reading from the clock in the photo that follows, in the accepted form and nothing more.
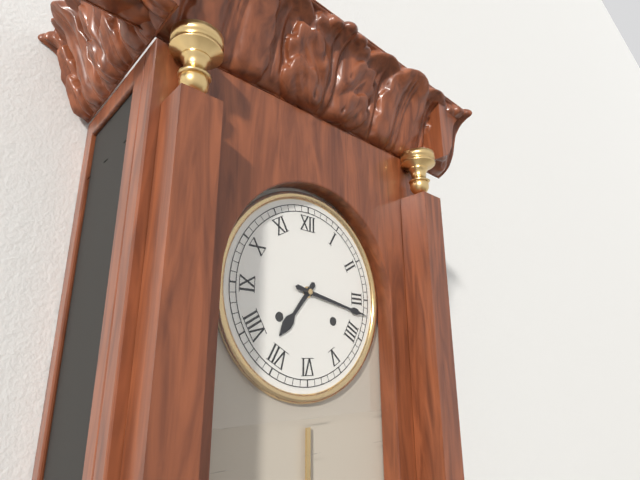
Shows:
7h17
